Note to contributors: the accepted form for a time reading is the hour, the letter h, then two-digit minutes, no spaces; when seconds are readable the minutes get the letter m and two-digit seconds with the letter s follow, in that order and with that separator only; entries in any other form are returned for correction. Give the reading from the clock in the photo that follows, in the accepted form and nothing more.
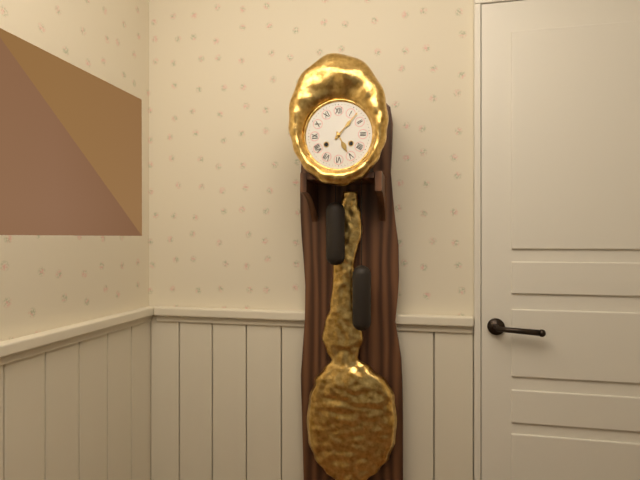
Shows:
5h07
